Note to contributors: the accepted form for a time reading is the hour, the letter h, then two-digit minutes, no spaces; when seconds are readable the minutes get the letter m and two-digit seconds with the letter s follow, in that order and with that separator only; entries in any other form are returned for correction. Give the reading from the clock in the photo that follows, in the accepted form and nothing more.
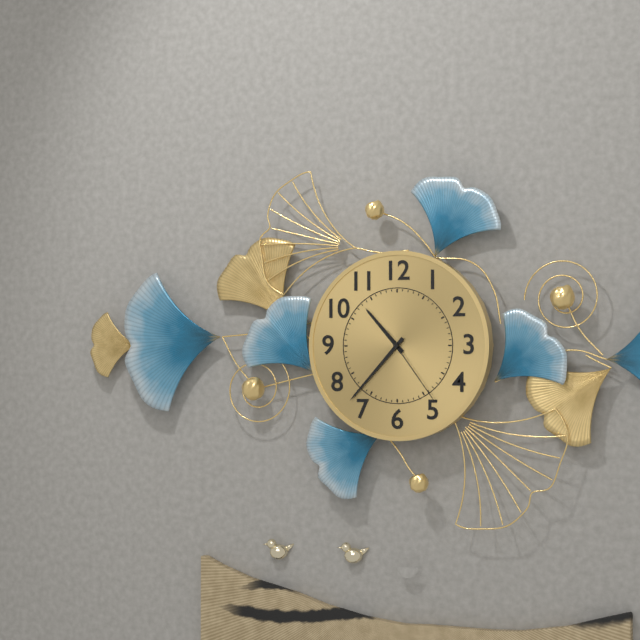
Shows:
10h37m24s
